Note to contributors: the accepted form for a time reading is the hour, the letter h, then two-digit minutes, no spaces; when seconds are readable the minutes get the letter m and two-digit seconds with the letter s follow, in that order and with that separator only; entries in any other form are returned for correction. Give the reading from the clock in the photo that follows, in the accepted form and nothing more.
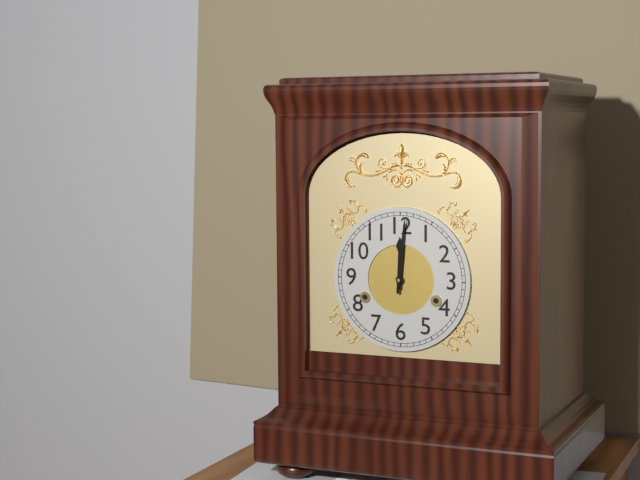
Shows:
12h01
